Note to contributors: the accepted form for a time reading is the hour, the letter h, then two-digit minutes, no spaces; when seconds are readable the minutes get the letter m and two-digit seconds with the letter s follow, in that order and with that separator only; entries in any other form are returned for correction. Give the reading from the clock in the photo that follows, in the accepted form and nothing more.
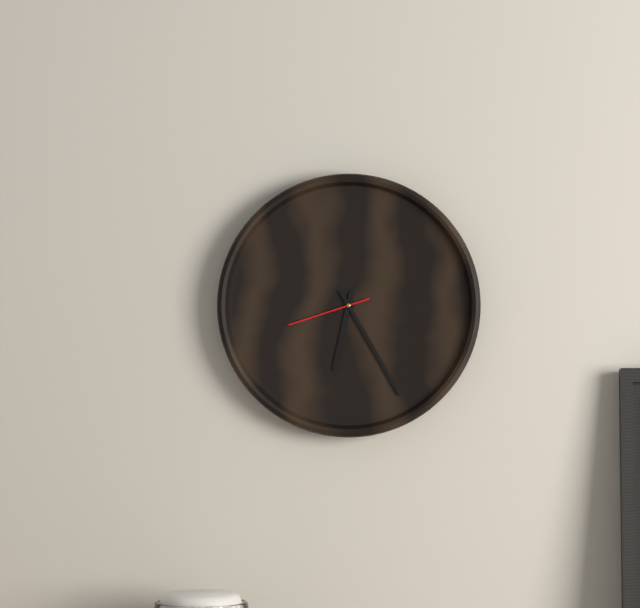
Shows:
6h25m42s
